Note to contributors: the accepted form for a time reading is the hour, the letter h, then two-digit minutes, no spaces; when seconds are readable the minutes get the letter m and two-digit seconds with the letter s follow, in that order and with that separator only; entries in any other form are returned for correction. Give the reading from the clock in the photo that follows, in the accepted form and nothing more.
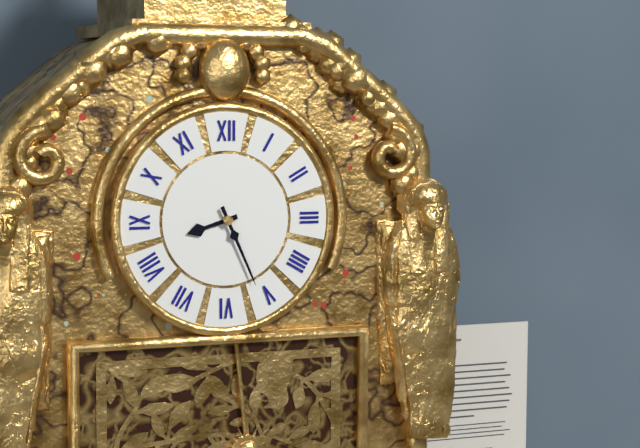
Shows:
8h26
